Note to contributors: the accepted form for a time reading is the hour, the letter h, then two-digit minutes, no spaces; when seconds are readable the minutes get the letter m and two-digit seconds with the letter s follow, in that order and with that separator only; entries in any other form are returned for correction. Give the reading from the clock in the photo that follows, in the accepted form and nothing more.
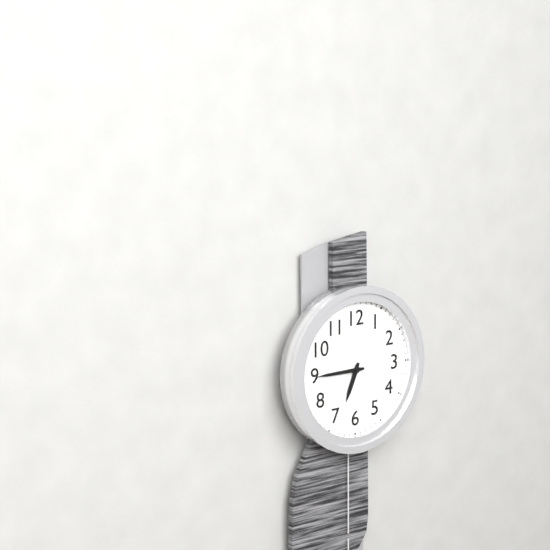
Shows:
6h45
